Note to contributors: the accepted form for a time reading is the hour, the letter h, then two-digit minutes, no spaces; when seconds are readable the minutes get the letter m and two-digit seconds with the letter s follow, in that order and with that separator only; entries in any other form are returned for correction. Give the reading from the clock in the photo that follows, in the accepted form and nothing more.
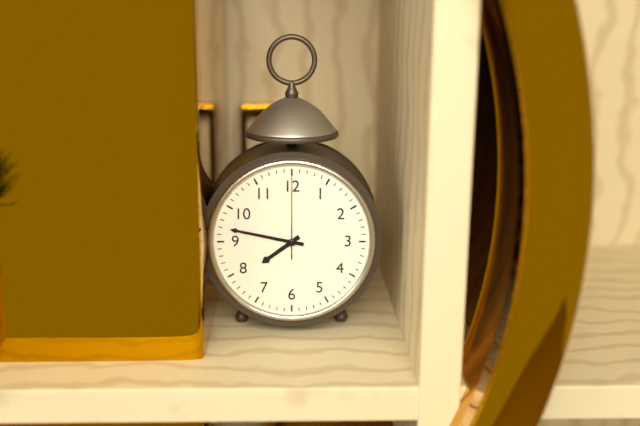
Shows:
7h47m00s
